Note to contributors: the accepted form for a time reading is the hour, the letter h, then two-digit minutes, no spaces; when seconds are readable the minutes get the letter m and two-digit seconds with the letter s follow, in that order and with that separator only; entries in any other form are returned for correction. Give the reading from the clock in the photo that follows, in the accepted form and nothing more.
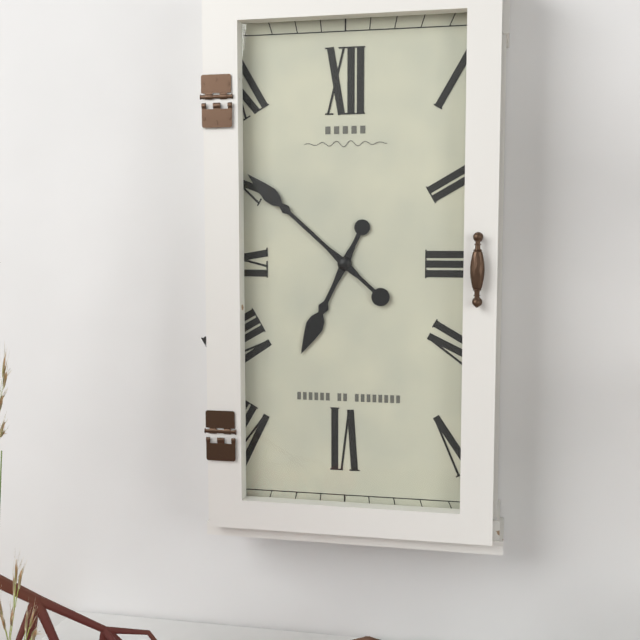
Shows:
6h52
